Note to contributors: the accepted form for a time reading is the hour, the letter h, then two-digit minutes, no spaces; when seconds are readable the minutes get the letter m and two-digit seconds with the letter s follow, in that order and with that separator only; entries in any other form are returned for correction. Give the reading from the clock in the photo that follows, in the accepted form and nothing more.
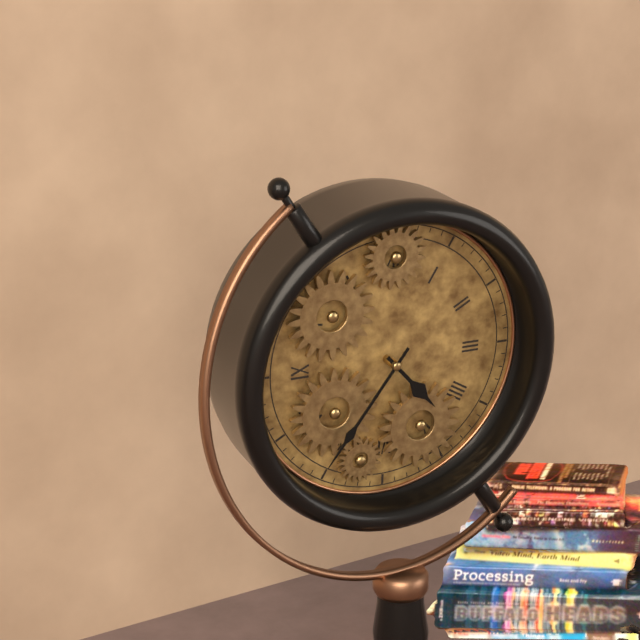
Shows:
4h36
